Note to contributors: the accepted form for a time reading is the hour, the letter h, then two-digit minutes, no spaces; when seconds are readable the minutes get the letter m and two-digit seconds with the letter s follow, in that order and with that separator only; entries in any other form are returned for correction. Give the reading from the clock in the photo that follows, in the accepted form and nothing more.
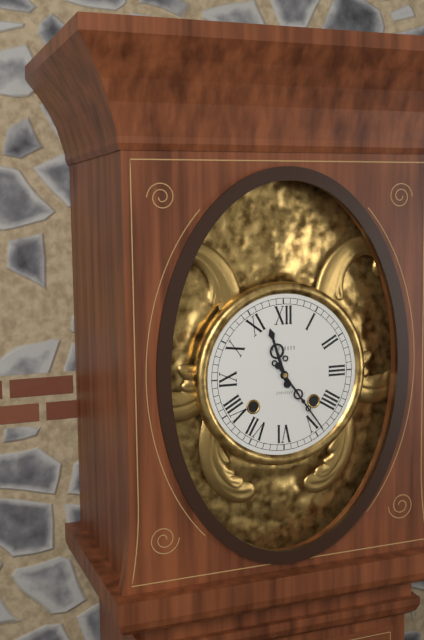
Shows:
11h24
